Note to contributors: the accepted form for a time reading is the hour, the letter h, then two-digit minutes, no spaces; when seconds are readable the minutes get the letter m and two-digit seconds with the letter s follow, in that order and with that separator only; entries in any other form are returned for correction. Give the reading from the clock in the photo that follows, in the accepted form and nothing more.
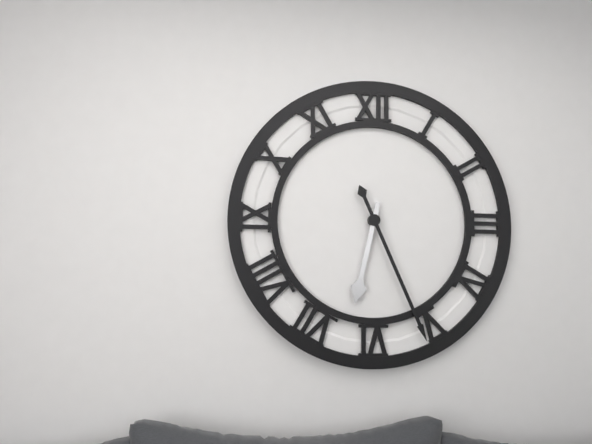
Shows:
6h26
